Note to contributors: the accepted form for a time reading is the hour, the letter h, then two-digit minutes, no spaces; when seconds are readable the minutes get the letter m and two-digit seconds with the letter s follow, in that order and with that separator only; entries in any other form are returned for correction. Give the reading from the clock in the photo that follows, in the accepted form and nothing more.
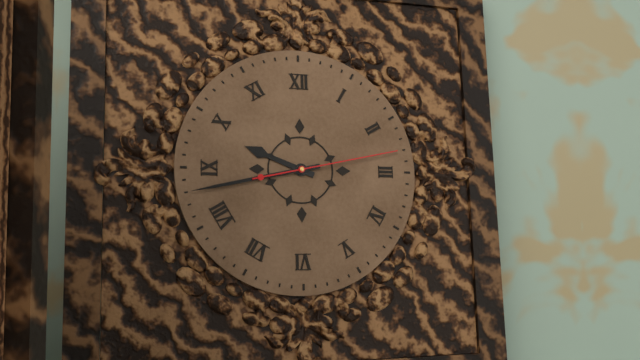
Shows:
9h43m13s
